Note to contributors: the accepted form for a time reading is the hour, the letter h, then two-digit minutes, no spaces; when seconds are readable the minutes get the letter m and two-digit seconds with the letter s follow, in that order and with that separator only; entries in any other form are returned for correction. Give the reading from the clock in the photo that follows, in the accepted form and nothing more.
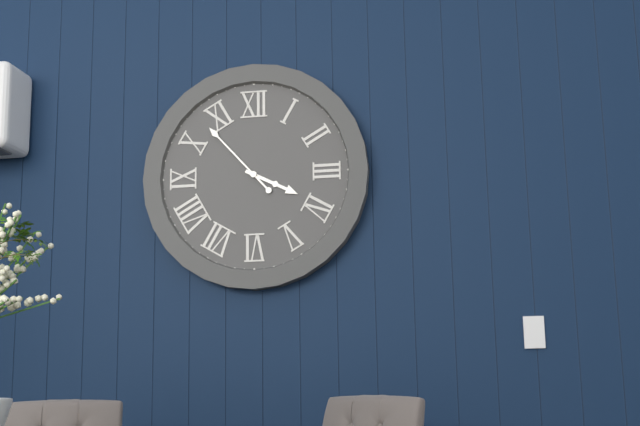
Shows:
3h53
